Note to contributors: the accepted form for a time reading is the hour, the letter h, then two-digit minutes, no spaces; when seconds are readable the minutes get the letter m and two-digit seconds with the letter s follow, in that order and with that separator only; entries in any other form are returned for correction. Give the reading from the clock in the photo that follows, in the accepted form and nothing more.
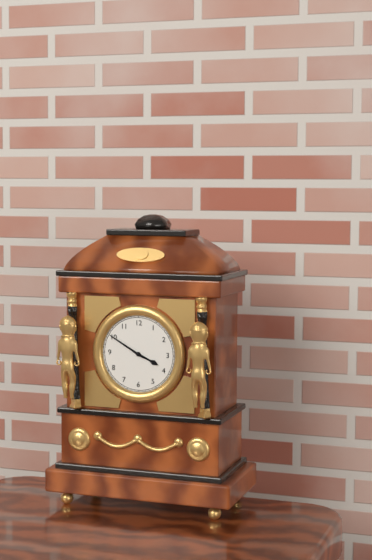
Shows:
3h50
